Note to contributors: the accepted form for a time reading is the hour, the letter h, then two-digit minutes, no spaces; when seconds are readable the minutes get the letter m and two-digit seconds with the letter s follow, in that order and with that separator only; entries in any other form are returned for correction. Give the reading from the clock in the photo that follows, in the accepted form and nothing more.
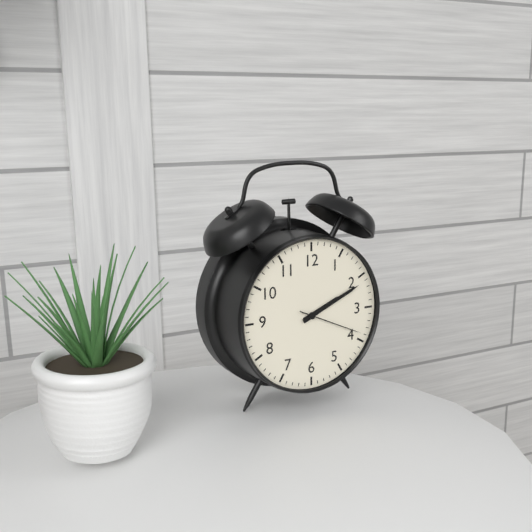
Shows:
2h11m19s
